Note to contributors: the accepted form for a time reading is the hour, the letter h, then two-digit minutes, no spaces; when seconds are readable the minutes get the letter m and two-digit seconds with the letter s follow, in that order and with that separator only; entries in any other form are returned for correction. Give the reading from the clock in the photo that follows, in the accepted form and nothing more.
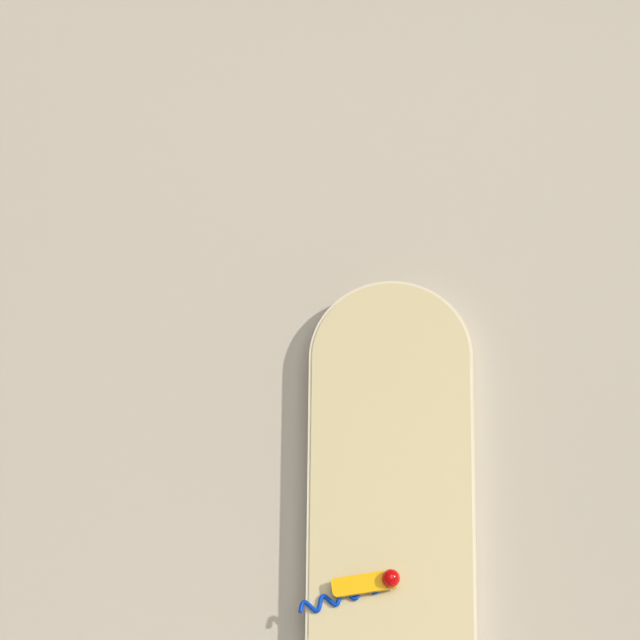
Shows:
8h42
